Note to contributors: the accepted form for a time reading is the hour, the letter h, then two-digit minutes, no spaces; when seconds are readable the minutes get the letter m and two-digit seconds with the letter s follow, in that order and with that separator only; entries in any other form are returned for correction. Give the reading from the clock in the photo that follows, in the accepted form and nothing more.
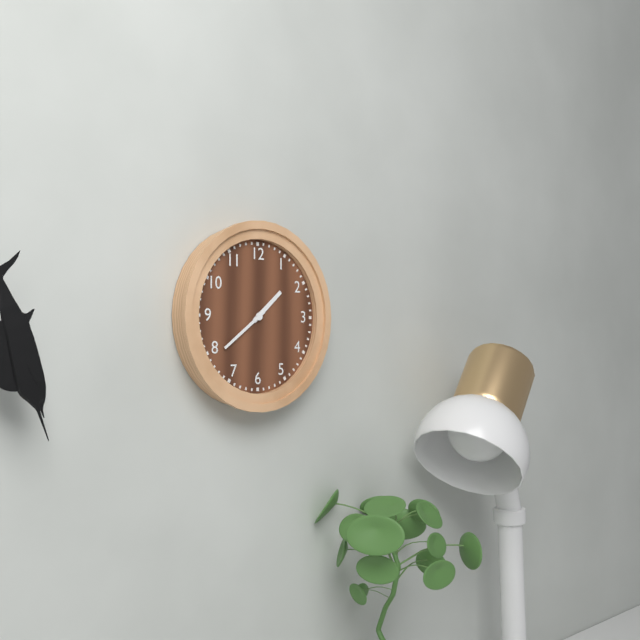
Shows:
1h39
